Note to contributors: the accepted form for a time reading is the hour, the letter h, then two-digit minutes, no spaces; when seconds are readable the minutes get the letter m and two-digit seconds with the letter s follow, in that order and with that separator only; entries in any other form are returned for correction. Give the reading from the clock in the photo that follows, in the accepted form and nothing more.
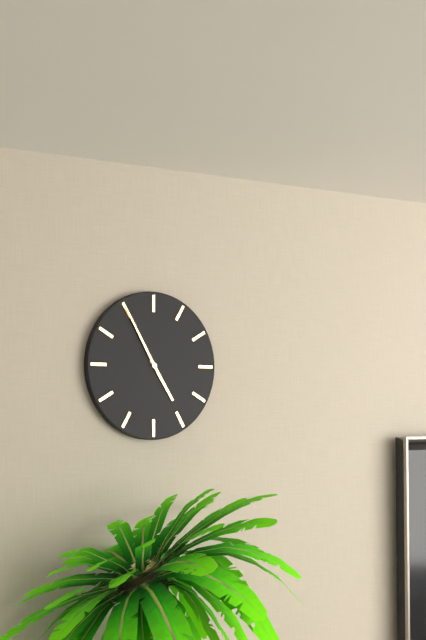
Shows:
4h55
